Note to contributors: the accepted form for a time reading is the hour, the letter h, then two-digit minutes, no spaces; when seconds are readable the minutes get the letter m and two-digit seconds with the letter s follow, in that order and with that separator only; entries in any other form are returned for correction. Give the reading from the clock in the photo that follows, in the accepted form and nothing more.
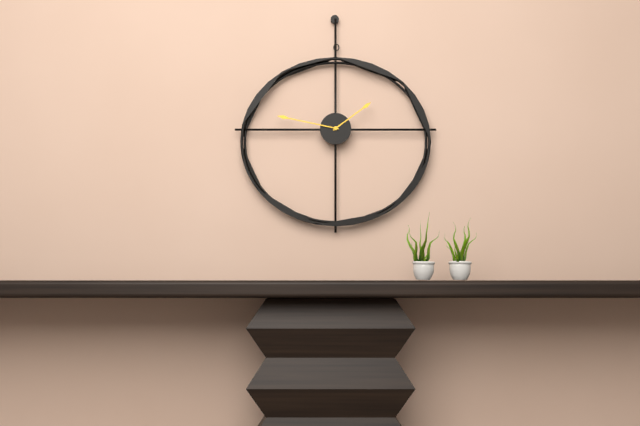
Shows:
1h47
